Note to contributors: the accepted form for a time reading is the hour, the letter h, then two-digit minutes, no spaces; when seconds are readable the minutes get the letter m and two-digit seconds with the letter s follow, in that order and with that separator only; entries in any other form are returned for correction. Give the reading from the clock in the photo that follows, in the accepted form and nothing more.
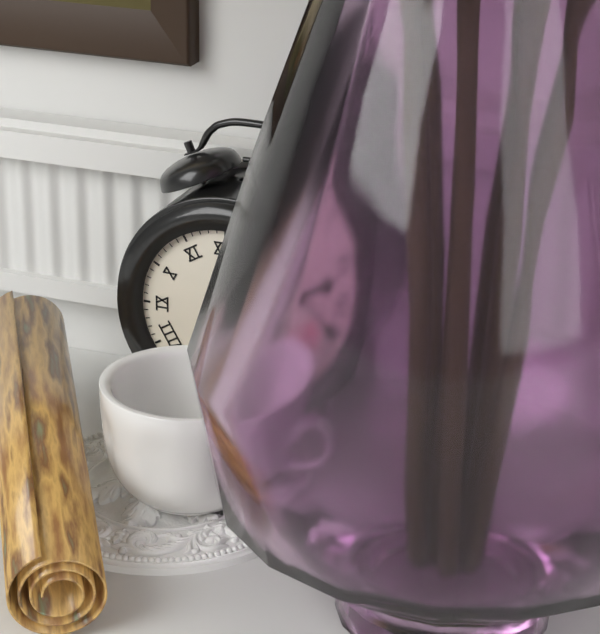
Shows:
2h19
